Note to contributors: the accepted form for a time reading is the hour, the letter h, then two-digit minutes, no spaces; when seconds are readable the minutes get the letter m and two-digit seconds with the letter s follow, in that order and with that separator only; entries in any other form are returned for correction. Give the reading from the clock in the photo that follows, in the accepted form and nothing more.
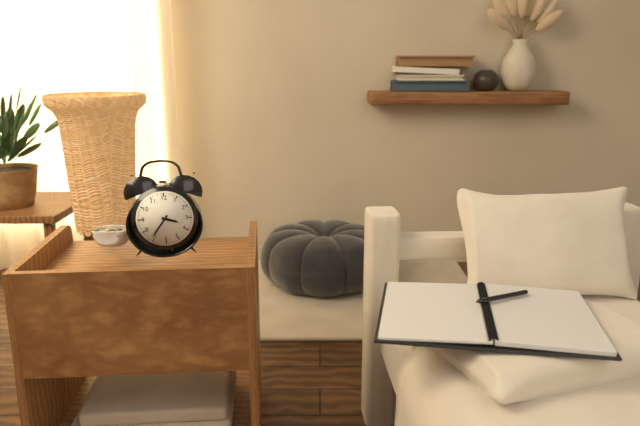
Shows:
3h36
